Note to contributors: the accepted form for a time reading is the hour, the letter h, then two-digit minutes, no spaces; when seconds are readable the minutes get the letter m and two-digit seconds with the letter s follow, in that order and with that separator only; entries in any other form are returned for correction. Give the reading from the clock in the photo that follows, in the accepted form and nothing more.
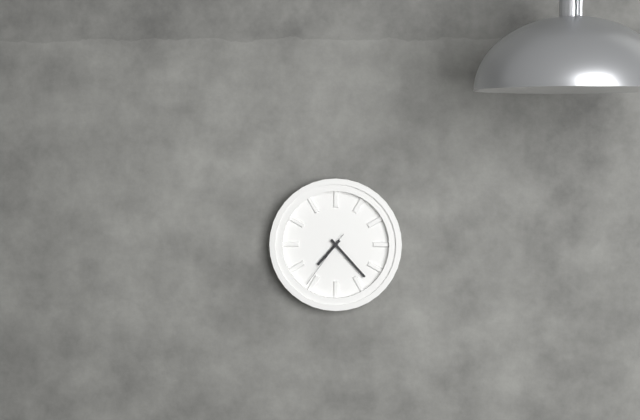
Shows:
7h23m36s
